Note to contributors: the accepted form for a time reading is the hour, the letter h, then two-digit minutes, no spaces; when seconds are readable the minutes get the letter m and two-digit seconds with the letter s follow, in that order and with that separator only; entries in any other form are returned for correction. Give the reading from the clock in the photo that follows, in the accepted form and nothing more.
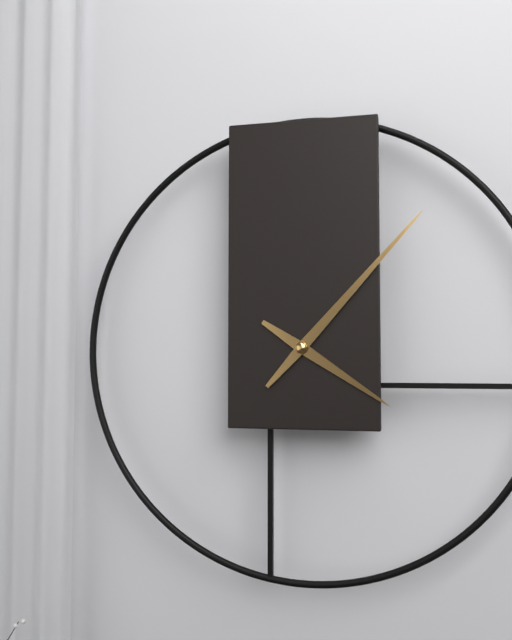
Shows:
4h07
